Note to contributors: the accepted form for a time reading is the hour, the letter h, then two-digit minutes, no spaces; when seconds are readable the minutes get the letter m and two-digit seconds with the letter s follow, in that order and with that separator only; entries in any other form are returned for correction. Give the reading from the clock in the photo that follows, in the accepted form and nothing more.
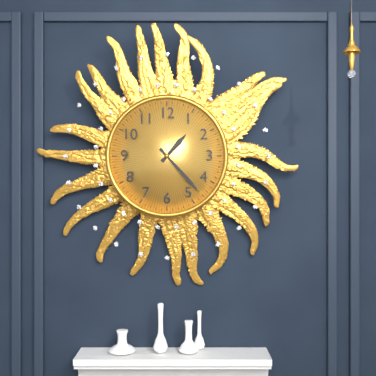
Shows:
1h23
